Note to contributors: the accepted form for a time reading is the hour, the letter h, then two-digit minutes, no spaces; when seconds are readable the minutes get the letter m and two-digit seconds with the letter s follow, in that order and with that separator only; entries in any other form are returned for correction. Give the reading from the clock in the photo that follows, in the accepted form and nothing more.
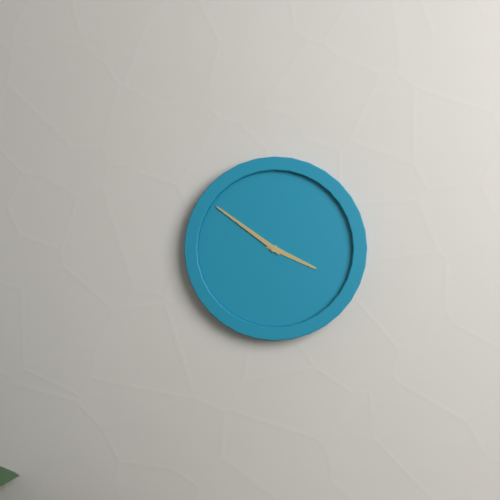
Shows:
3h51
